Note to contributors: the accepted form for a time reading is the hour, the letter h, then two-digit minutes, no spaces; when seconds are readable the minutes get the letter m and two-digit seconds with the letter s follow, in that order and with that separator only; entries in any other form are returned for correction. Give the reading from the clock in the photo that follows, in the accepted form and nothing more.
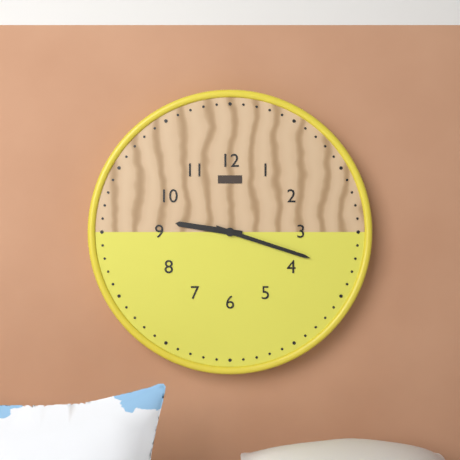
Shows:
9h18
